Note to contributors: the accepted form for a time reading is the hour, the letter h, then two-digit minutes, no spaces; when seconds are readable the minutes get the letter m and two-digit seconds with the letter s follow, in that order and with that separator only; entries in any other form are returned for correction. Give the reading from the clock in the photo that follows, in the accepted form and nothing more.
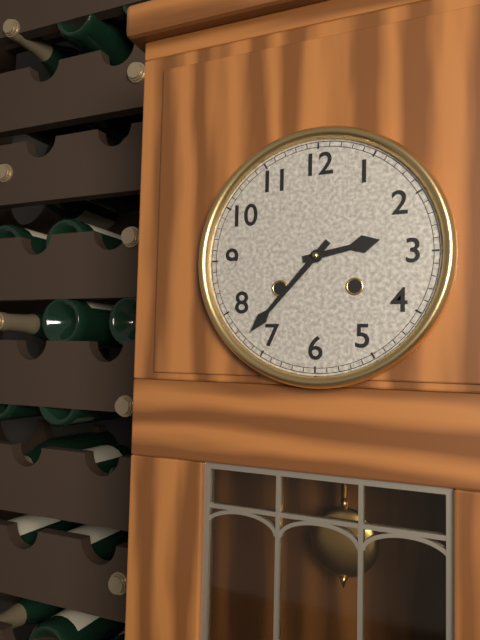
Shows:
2h37
